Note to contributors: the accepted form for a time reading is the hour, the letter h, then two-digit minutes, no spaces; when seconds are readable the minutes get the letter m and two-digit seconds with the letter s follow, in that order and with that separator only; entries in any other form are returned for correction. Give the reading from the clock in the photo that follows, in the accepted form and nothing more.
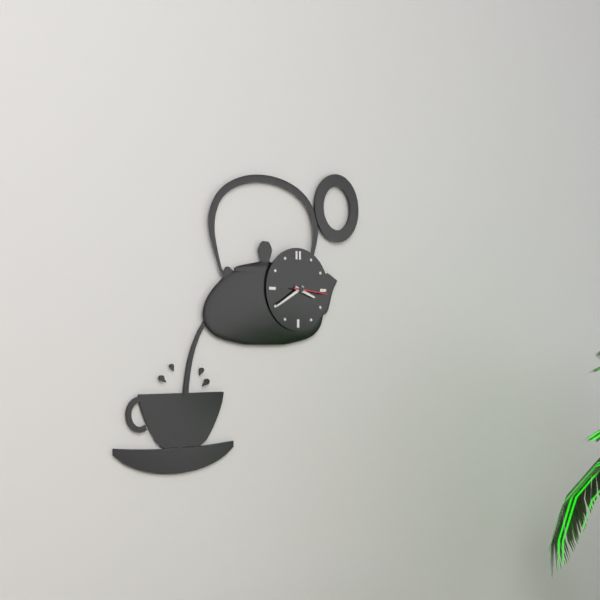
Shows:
3h40
